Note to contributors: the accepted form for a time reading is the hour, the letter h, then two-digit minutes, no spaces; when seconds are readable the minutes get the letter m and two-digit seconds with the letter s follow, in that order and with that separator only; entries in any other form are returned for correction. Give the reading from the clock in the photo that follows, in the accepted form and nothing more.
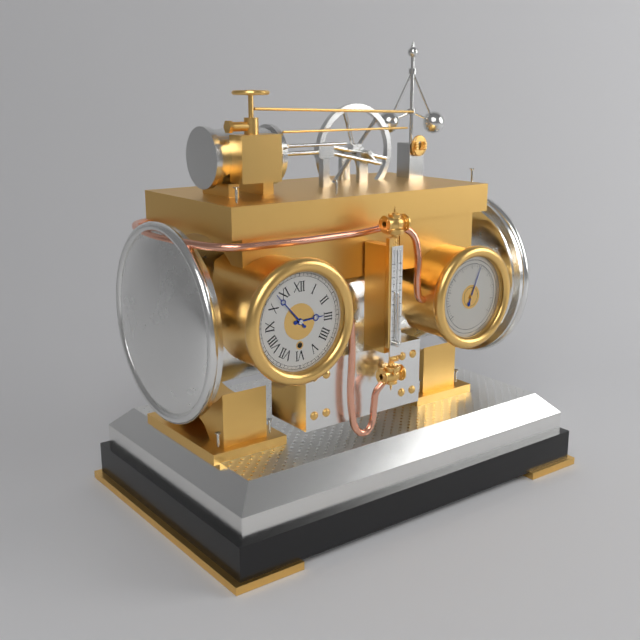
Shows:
2h53
